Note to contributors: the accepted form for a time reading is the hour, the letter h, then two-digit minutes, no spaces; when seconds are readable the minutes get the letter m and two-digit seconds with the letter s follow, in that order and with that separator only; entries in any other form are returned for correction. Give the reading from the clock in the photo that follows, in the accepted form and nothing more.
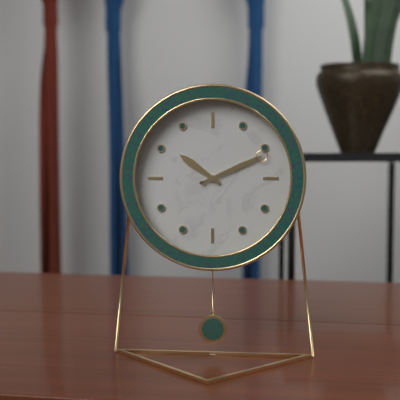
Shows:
10h11m11s
